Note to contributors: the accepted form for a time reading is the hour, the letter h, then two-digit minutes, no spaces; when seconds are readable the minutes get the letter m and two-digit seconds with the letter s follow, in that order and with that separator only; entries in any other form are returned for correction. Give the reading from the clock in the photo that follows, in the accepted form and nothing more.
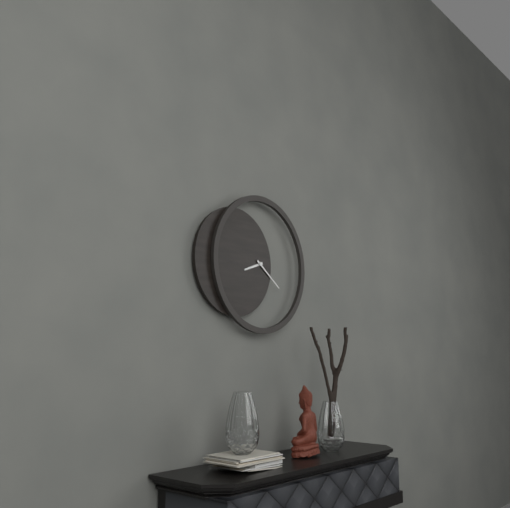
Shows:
8h21
